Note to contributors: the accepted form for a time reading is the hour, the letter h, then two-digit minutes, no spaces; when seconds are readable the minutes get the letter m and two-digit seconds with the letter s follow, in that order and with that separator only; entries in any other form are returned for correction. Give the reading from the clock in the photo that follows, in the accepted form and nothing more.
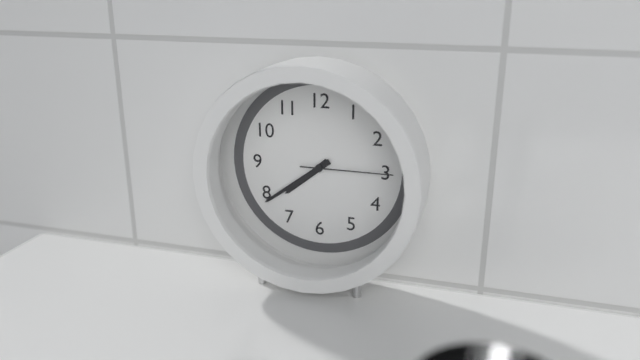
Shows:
7h39m15s
